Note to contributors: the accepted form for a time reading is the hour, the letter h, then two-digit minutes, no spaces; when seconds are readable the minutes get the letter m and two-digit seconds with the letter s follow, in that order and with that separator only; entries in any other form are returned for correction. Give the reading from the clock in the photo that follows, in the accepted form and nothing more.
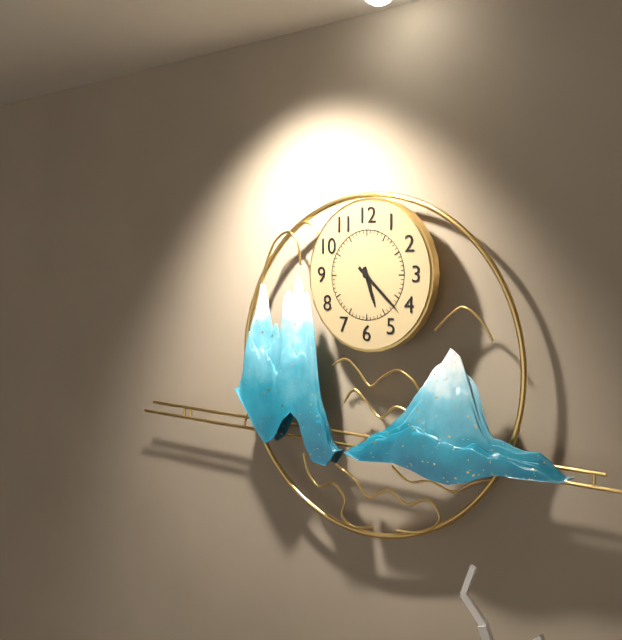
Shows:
5h22
